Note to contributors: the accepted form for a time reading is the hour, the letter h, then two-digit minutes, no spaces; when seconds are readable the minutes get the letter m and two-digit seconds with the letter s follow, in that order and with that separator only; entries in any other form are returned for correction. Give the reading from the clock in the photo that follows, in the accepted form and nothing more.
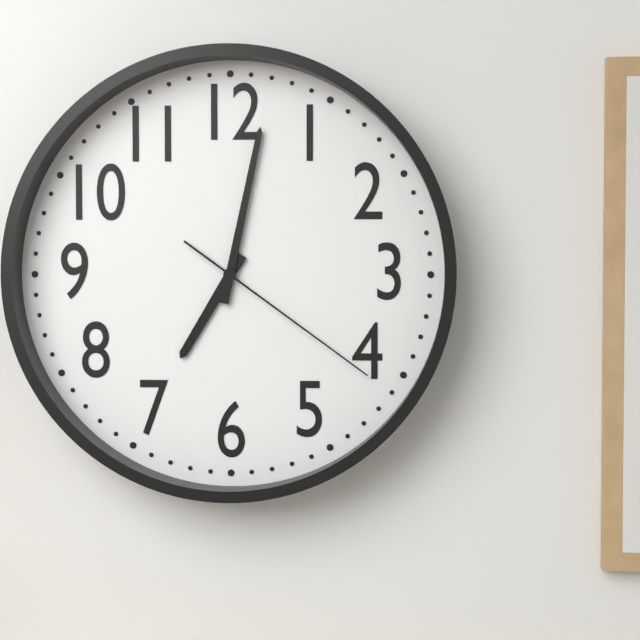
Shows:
7h02m21s
